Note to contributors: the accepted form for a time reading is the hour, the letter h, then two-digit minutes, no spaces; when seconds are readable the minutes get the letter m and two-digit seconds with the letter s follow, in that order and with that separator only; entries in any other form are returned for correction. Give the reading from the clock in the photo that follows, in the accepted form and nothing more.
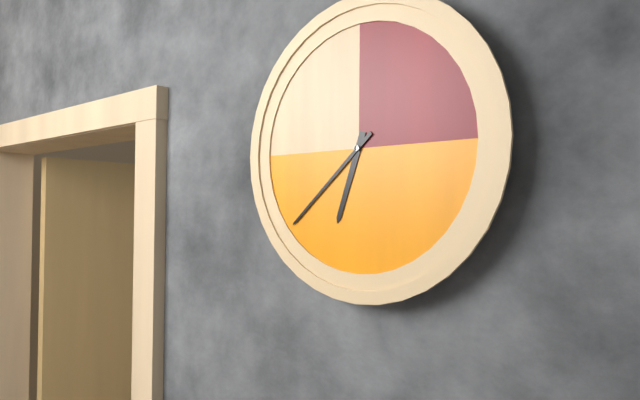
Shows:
6h38
